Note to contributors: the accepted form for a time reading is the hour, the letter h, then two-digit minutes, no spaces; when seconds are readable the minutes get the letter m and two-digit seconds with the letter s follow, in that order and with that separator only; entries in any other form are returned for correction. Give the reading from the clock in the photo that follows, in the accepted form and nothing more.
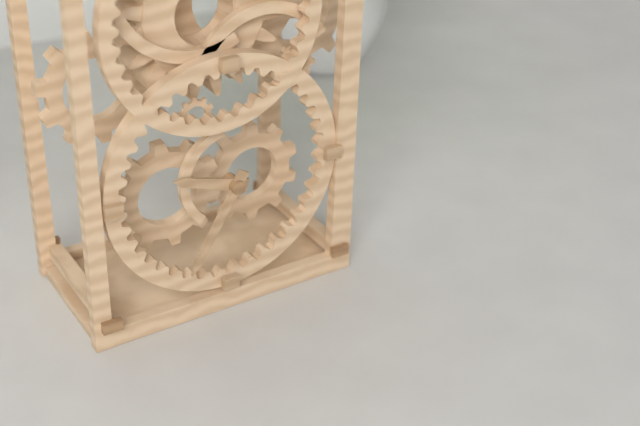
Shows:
9h35
